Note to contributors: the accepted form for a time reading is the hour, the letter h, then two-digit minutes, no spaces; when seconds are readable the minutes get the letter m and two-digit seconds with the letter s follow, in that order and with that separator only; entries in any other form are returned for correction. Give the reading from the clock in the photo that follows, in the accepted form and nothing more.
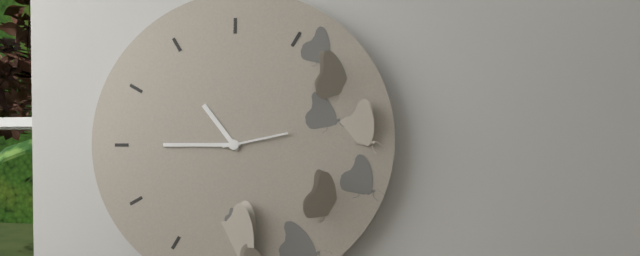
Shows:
10h45m13s
